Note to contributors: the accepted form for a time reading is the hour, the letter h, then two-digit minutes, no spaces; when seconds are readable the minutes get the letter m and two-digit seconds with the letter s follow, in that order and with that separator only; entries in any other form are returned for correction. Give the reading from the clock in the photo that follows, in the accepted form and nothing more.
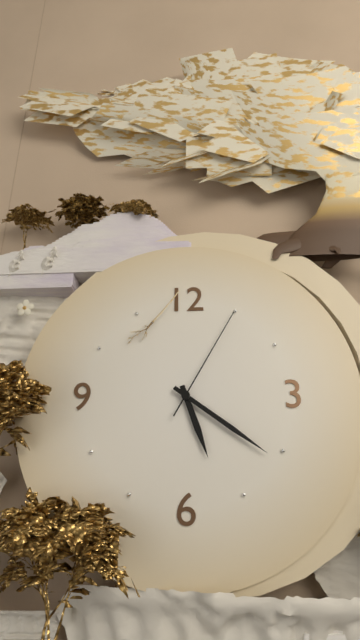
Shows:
5h21m05s
